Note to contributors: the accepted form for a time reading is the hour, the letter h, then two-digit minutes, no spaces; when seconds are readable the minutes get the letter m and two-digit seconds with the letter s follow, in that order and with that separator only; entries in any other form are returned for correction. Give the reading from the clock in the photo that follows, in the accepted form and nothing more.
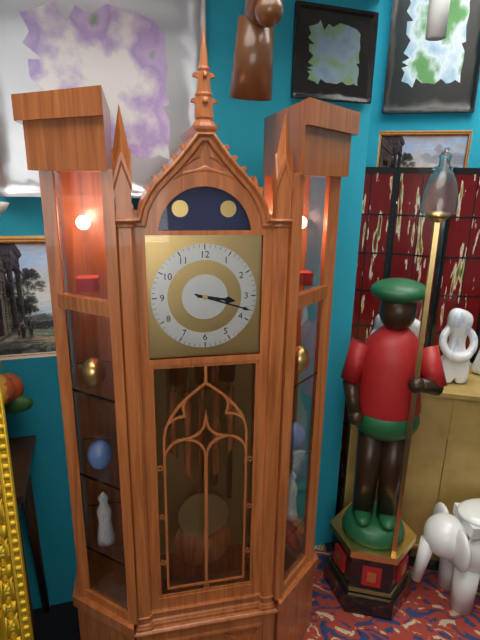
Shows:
3h18
